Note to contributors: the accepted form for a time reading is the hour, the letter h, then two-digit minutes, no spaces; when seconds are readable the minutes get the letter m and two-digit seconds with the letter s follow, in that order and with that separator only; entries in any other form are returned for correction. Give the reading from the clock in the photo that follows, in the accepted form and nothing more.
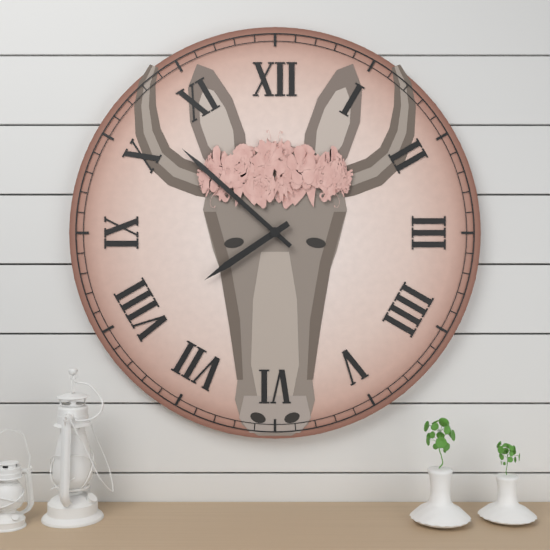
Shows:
7h52
